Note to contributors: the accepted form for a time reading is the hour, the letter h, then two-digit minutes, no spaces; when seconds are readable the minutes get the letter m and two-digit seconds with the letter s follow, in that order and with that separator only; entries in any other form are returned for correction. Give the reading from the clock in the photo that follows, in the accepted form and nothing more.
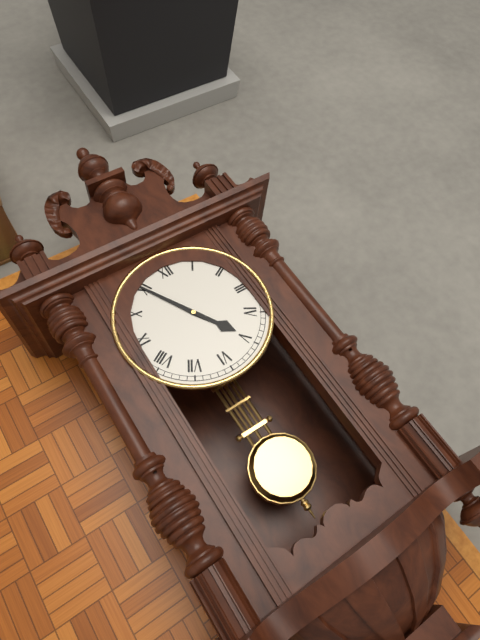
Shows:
4h55
